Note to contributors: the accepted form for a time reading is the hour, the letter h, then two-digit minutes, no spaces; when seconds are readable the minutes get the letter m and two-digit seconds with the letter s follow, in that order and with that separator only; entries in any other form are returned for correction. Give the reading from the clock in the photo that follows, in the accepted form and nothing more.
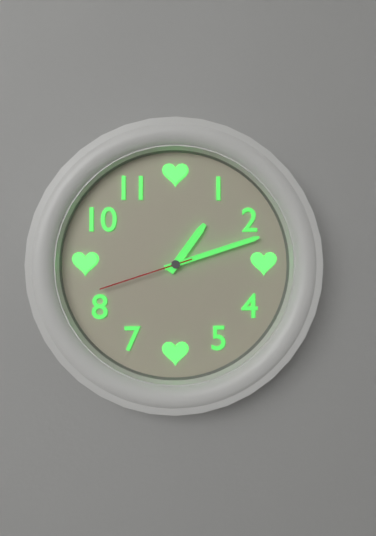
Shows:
1h12m42s
